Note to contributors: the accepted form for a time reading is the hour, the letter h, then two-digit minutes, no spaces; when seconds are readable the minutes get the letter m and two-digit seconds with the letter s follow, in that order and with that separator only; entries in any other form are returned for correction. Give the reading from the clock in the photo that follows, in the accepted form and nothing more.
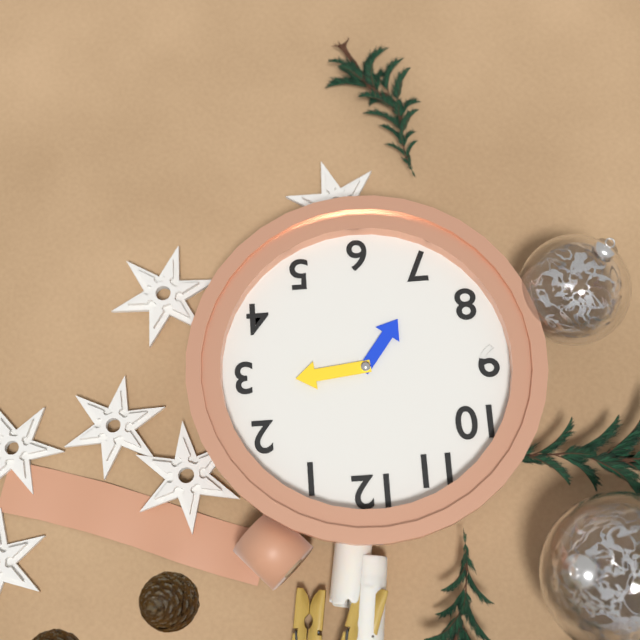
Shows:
7h14
